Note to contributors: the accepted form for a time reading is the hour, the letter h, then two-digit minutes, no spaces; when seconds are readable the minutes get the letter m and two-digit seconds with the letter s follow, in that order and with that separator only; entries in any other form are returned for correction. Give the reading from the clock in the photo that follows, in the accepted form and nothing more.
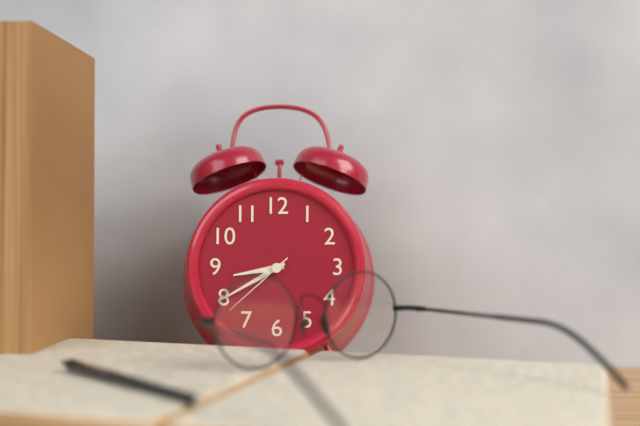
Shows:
8h40m38s
